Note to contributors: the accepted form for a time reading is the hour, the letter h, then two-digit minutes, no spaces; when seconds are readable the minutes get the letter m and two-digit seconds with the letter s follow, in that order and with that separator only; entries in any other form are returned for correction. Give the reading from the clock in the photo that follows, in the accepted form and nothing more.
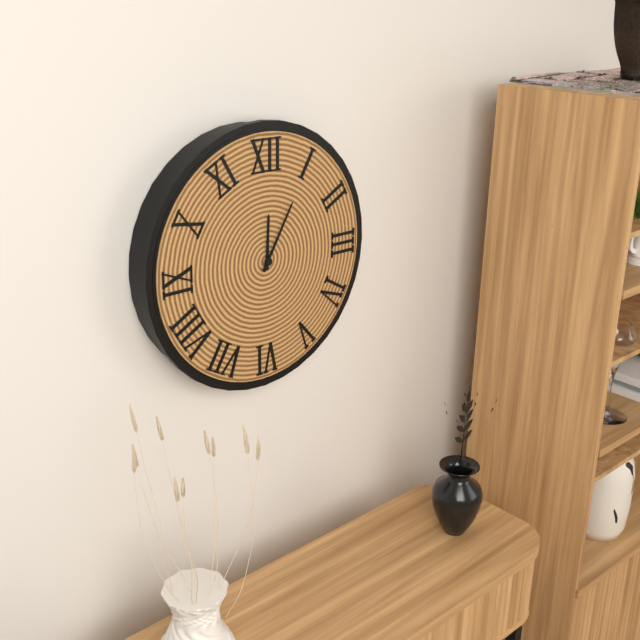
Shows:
12h05
